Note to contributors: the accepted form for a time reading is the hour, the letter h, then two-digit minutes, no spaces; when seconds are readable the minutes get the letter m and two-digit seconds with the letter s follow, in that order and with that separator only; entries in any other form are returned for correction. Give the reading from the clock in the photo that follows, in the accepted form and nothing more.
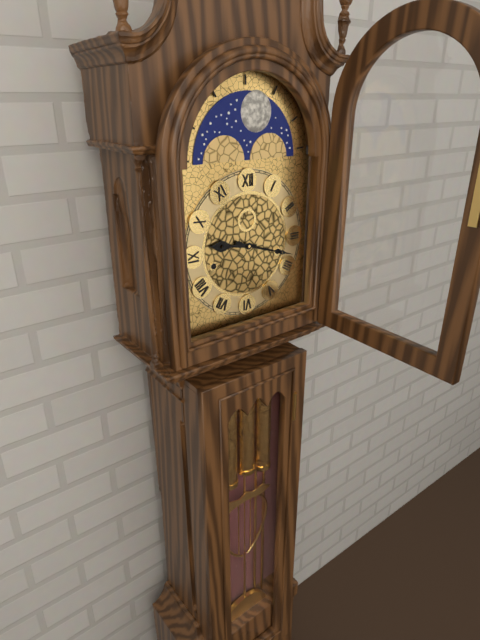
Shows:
9h18
